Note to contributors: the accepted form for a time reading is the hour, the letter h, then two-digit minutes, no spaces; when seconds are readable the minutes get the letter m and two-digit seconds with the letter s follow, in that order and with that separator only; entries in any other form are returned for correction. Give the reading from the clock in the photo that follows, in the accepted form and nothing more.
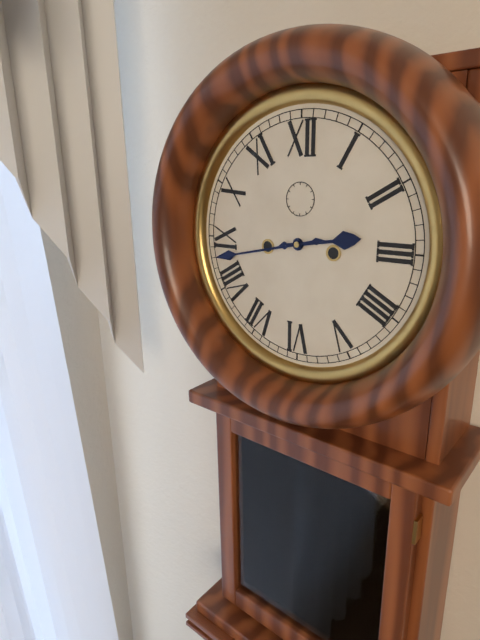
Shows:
2h43
